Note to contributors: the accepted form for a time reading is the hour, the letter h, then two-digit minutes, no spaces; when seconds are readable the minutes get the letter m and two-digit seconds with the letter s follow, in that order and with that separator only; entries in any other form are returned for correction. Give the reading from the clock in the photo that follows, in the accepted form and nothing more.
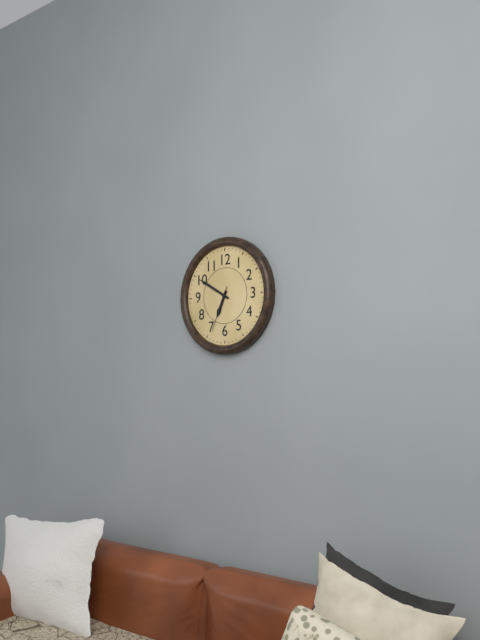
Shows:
6h50
